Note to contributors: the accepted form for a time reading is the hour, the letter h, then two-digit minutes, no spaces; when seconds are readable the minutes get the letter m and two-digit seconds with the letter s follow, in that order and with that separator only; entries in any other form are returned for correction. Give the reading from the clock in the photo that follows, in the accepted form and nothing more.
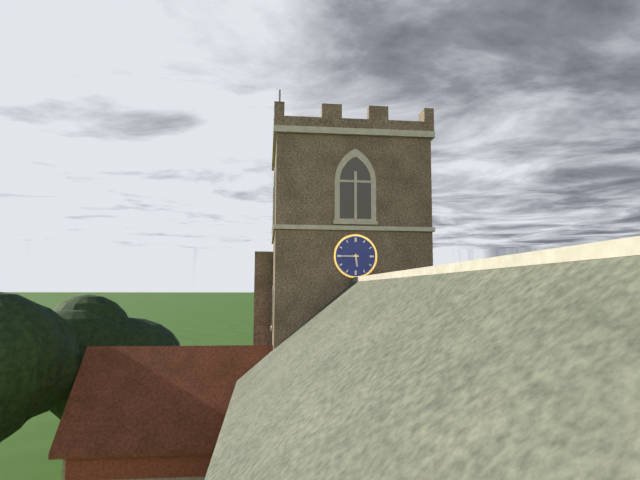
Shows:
5h45
